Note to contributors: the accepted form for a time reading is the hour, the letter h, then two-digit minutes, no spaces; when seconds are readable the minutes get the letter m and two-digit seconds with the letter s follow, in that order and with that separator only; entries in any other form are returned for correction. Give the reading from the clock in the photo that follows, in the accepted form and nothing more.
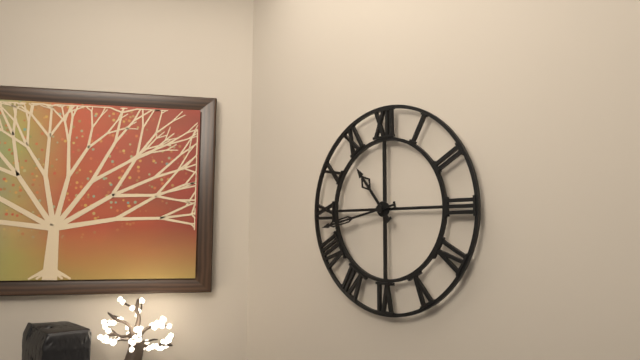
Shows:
10h43
